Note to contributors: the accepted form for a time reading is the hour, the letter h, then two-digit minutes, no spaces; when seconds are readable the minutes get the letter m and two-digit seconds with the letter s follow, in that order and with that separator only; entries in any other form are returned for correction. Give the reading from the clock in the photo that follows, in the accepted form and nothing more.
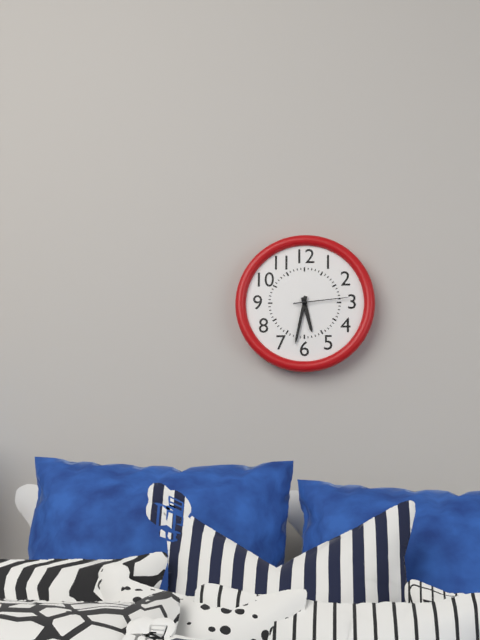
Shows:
5h32m14s
